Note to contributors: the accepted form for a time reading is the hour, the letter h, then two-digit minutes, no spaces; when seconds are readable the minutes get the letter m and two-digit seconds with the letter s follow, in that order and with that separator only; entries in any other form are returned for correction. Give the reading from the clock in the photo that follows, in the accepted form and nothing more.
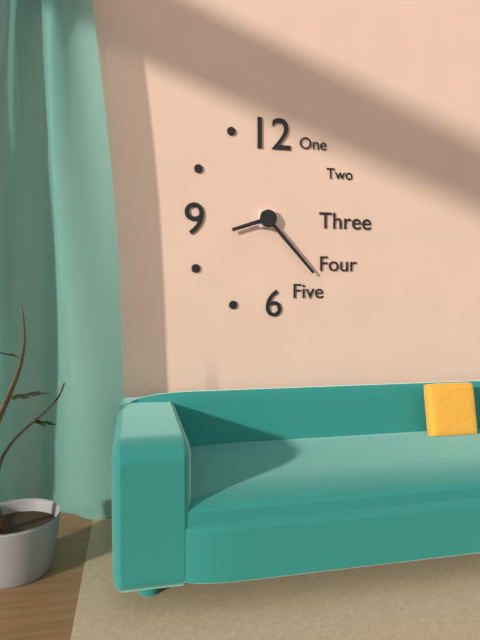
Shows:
8h23
